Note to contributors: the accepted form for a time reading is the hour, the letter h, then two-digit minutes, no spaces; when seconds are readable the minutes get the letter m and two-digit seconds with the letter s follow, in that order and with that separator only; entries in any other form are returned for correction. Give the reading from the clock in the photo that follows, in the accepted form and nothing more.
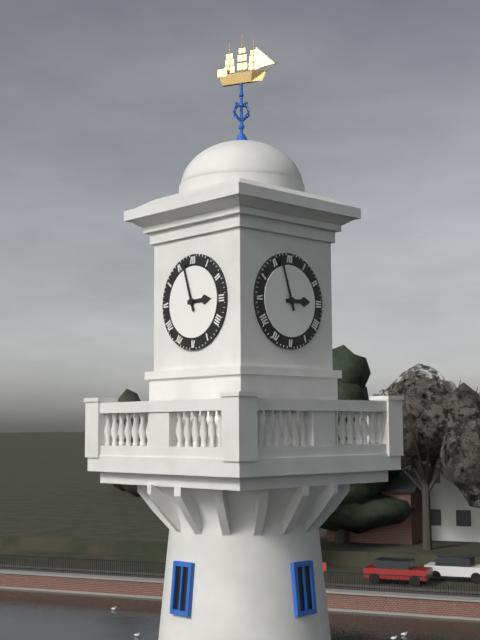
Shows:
2h57
